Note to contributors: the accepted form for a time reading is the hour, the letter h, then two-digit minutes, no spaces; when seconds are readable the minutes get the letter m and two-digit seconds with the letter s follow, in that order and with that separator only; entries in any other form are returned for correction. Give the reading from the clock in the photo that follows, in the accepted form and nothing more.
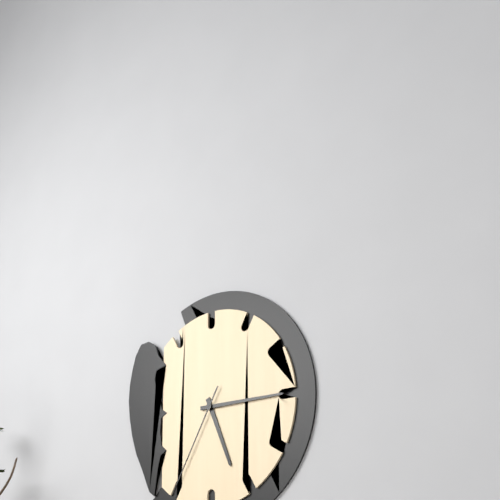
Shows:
5h15m35s
